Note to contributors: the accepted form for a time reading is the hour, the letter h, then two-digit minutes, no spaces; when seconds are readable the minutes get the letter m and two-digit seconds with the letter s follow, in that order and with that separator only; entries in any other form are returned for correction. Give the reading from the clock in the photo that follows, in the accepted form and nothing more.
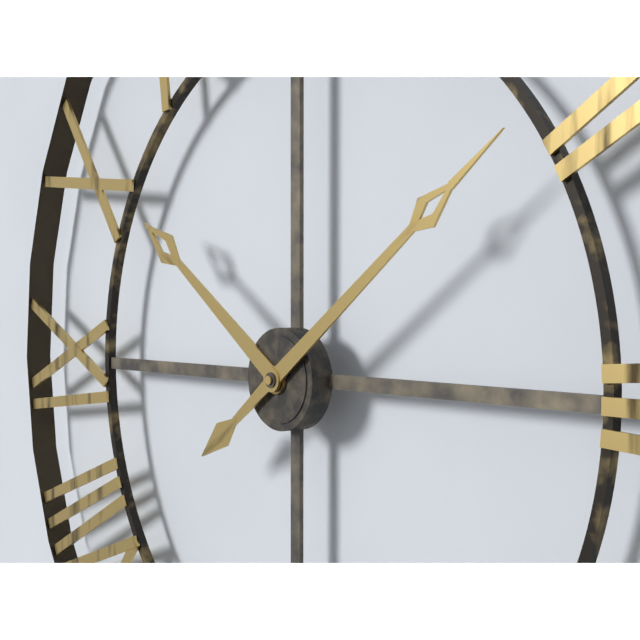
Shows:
10h09
